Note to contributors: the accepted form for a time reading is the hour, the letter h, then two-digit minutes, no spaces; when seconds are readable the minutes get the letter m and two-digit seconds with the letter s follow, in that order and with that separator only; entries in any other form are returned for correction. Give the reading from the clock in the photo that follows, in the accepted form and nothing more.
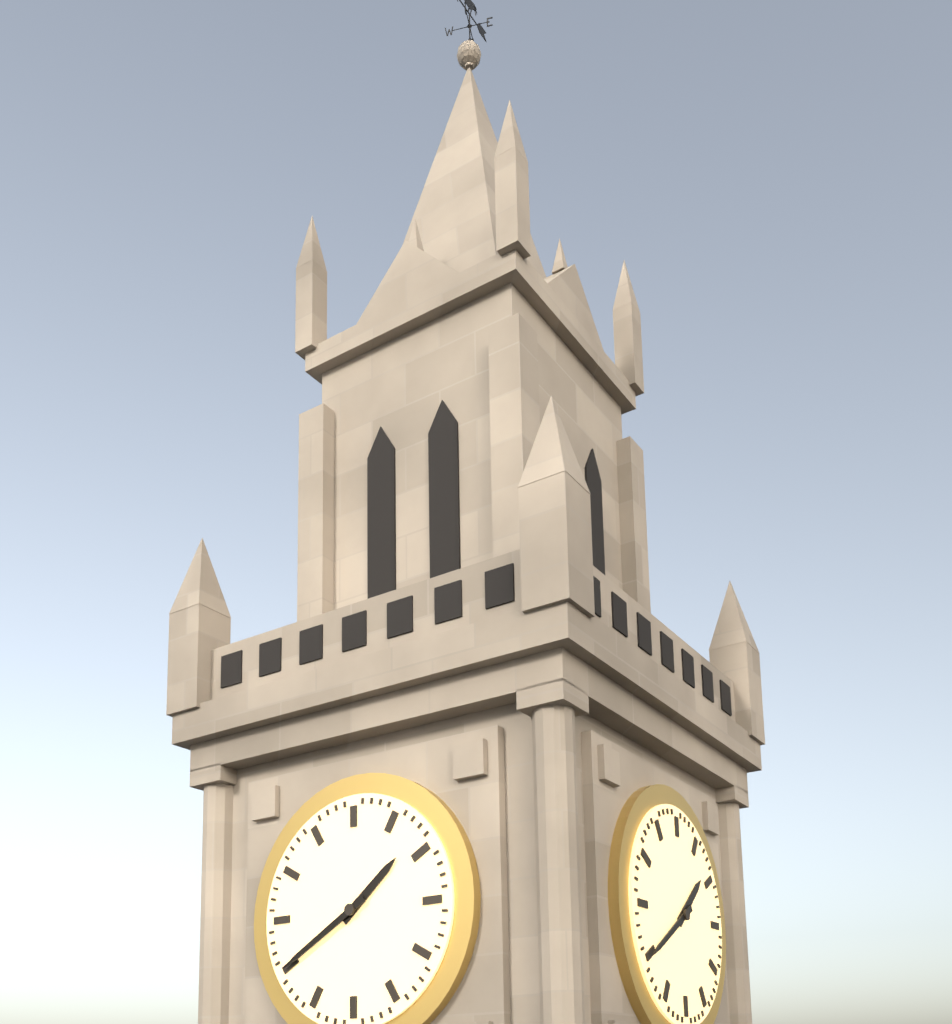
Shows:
1h40
